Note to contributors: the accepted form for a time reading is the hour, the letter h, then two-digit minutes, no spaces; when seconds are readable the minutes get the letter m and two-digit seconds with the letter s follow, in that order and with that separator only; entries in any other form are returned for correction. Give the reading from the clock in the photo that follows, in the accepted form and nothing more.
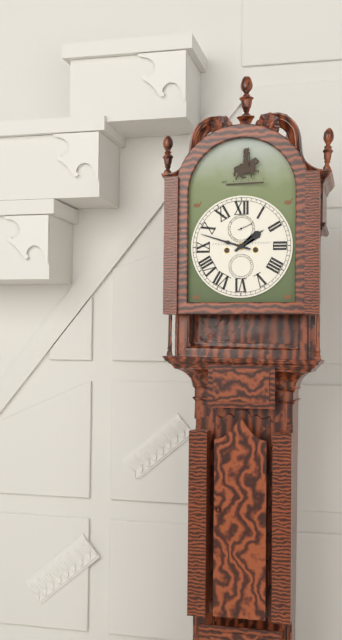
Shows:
1h48
